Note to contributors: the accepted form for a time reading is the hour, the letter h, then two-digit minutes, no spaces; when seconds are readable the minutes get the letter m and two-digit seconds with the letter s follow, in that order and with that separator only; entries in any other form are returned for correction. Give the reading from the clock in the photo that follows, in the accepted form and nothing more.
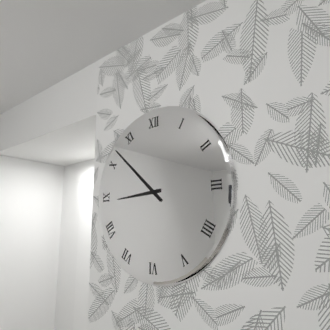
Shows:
8h52
